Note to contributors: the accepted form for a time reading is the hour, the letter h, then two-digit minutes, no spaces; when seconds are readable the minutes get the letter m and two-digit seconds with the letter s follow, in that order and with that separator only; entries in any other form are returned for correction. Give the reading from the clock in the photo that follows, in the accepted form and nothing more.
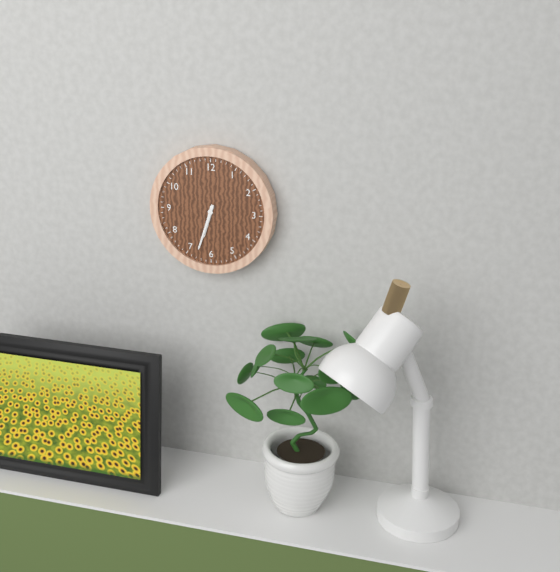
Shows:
6h33
